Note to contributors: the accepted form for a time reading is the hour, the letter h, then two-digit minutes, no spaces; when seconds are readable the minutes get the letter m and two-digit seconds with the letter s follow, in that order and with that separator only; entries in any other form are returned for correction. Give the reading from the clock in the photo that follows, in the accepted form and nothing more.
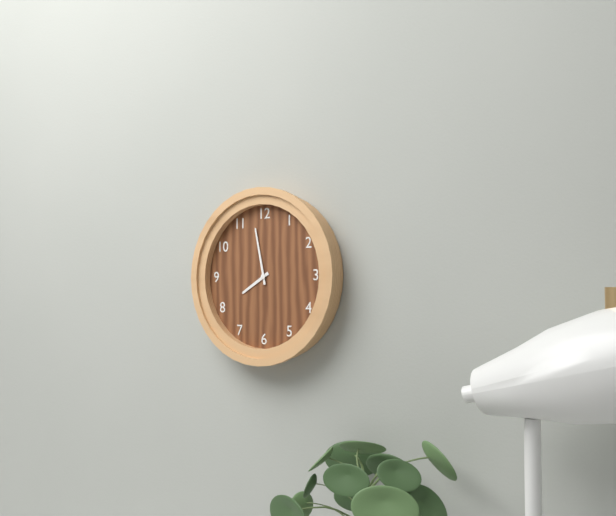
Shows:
7h58
